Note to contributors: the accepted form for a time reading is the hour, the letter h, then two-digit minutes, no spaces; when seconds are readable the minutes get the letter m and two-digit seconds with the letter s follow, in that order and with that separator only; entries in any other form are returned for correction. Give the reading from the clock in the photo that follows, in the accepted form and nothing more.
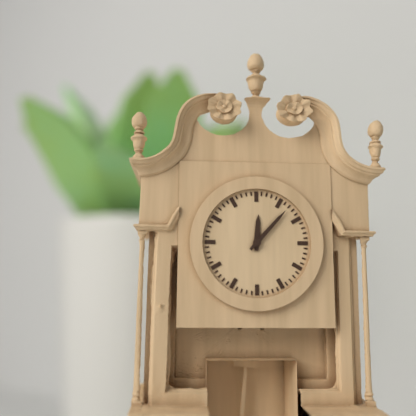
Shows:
12h07
